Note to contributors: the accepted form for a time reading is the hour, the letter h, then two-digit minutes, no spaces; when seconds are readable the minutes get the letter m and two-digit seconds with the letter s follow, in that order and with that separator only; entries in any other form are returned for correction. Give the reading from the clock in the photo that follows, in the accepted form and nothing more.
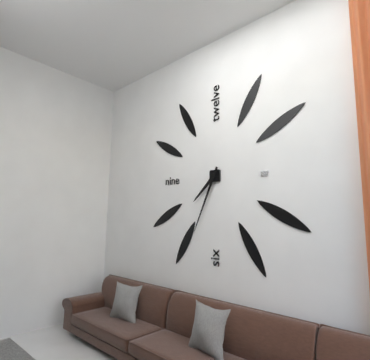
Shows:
7h34
